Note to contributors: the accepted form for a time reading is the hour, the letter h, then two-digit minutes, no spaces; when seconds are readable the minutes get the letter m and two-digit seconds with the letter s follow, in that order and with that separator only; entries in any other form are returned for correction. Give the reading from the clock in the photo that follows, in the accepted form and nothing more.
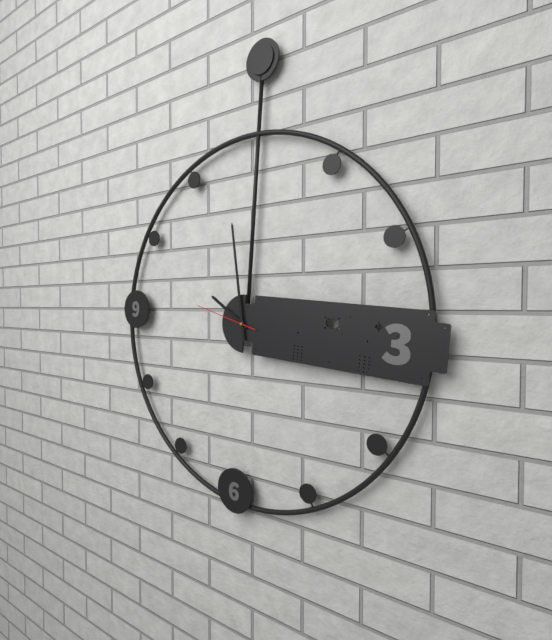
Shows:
9h58m47s
